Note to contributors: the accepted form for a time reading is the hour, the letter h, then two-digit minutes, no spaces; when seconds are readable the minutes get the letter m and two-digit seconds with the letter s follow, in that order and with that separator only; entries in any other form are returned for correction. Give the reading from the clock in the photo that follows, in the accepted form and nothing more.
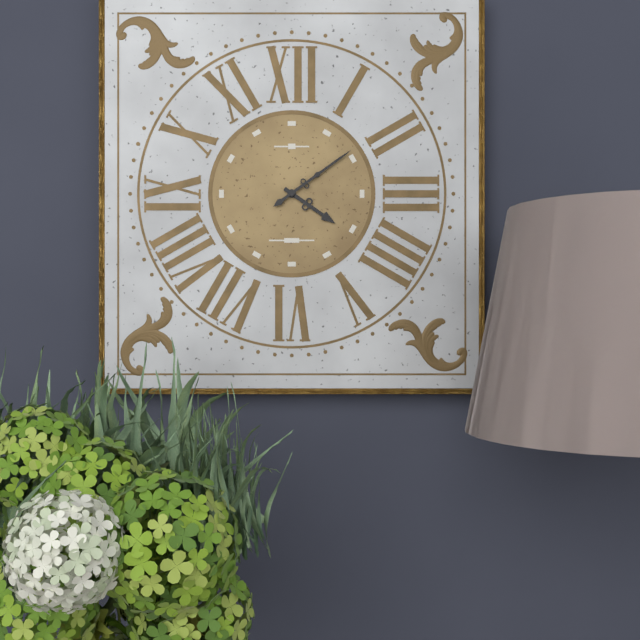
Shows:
4h09
